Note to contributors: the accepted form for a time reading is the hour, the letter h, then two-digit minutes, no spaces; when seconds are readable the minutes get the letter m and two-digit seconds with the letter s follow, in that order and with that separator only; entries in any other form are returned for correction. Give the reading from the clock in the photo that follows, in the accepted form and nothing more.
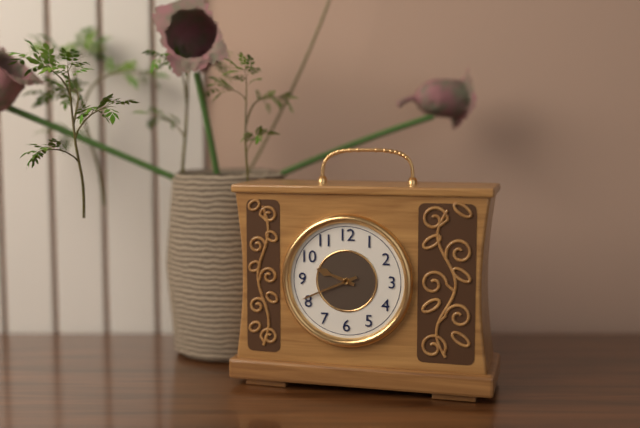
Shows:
9h41
